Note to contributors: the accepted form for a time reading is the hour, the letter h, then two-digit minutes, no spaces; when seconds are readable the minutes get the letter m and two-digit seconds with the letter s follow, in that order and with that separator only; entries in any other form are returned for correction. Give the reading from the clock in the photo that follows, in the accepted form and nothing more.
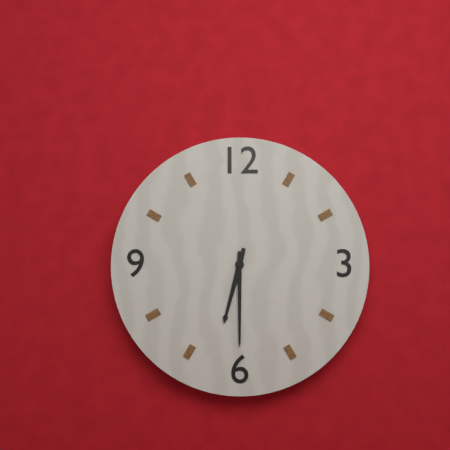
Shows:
6h30
